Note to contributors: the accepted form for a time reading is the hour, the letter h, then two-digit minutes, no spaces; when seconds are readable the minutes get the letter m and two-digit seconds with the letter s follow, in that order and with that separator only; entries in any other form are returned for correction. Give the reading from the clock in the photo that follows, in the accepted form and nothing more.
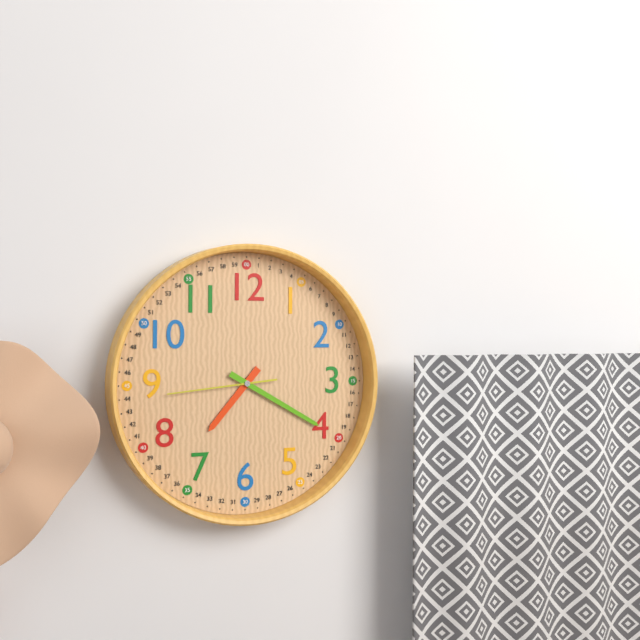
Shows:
7h20m44s
